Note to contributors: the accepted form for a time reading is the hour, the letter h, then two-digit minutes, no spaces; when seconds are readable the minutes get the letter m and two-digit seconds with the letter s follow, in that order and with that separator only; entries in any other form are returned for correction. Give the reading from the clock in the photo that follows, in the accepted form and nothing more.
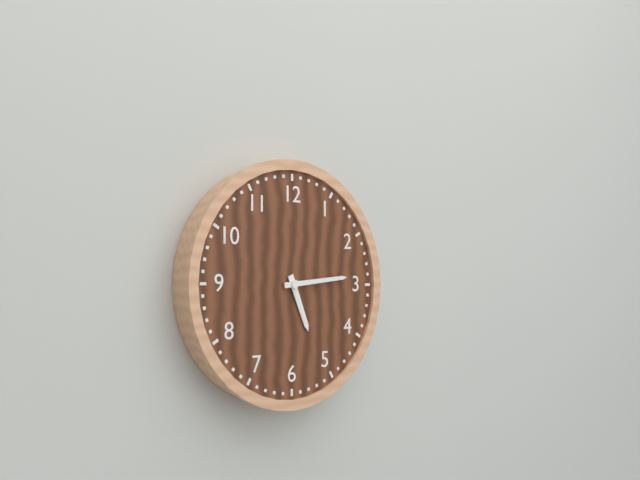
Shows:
5h14
